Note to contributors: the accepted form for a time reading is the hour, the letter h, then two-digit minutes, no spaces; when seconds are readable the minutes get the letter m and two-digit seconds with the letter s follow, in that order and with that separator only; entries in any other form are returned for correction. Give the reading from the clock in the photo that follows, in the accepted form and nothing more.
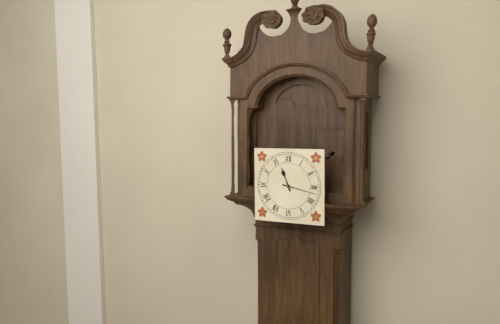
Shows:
11h17
